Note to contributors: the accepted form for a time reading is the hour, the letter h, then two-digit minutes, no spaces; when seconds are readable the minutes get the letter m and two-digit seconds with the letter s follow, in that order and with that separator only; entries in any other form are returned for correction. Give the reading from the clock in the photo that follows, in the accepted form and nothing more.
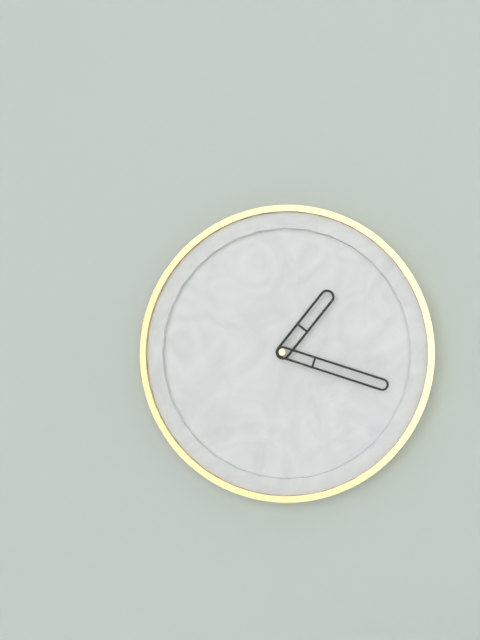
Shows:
1h18
